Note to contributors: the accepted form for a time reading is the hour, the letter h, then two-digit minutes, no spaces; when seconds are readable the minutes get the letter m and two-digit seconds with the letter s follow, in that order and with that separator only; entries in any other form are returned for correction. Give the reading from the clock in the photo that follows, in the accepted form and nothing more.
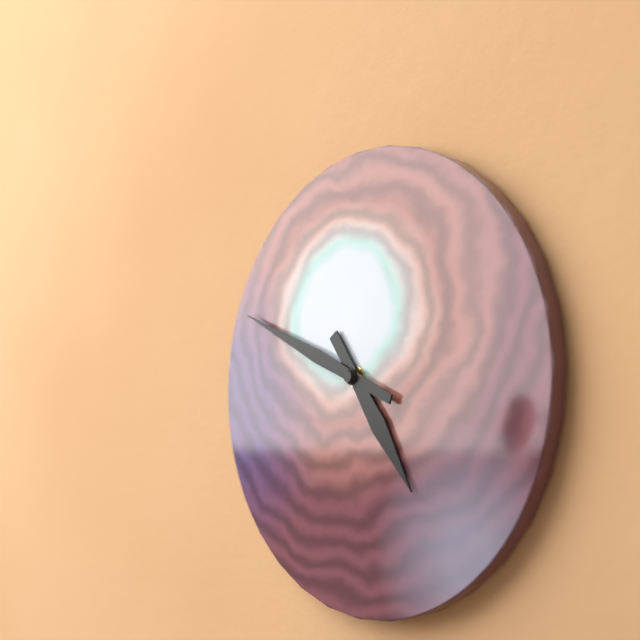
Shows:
4h49
